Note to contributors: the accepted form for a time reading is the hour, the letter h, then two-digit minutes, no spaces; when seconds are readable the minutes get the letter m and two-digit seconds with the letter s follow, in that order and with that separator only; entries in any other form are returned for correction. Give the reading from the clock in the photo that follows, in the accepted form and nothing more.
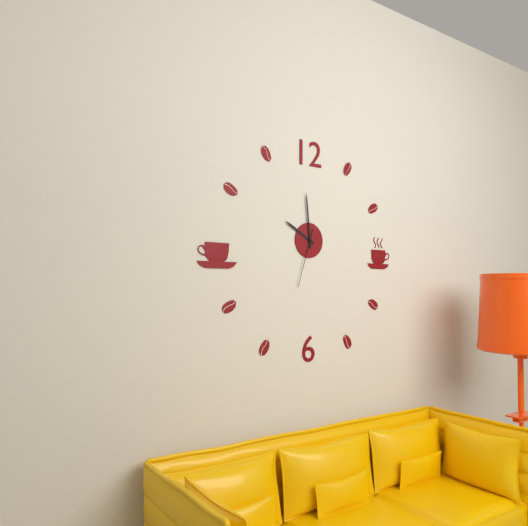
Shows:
9h59m33s
